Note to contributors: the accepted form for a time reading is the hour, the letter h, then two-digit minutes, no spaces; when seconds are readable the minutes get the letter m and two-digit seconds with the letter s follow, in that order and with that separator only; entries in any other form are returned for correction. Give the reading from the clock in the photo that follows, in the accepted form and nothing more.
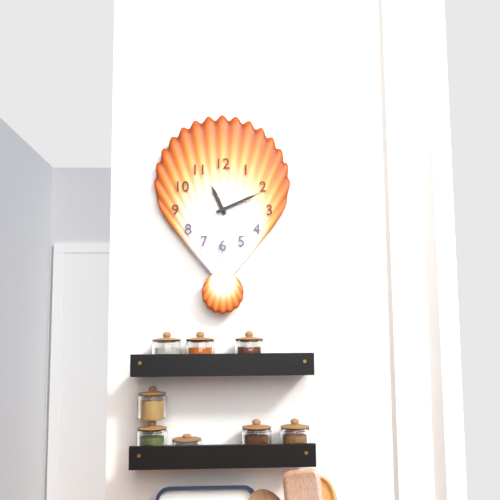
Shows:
11h11
